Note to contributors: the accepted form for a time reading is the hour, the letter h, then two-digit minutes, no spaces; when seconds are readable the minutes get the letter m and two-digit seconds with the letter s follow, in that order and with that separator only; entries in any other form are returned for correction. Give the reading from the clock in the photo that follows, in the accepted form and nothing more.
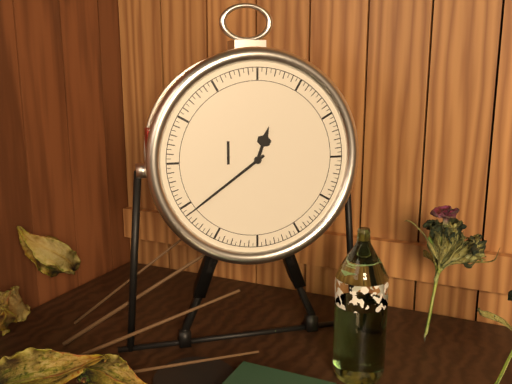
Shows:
12h39
